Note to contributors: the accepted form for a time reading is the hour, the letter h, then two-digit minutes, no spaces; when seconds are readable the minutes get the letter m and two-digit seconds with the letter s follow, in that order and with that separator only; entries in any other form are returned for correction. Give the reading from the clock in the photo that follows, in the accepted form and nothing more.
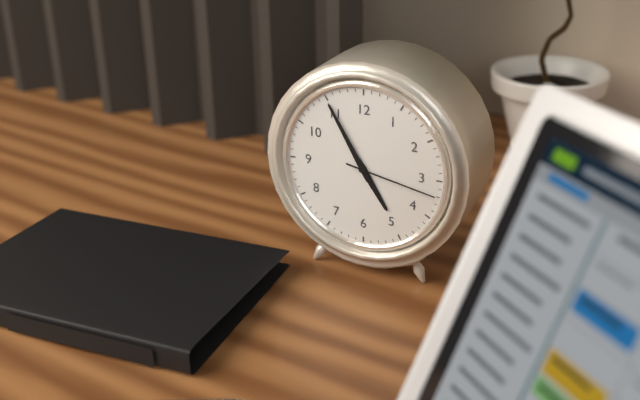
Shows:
4h55m17s
